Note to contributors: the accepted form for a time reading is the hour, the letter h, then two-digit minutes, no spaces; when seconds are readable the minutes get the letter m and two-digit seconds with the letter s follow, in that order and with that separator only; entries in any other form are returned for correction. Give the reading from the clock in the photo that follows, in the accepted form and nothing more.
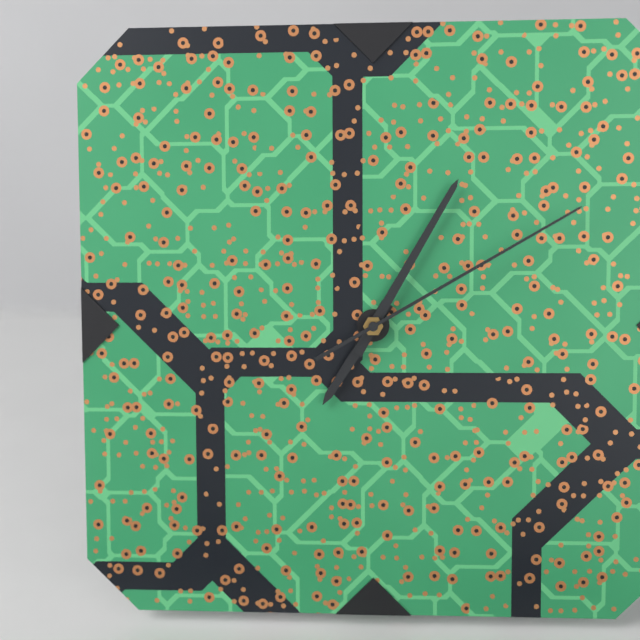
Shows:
7h05m10s
